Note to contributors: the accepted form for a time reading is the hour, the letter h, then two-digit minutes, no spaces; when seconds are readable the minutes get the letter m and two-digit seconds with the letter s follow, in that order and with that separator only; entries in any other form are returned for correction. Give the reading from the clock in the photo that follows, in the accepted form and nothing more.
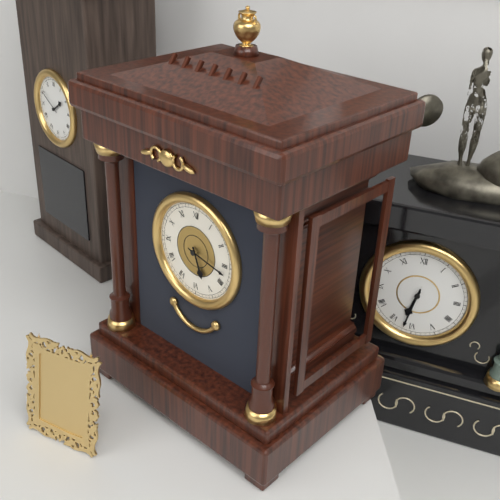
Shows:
5h17
